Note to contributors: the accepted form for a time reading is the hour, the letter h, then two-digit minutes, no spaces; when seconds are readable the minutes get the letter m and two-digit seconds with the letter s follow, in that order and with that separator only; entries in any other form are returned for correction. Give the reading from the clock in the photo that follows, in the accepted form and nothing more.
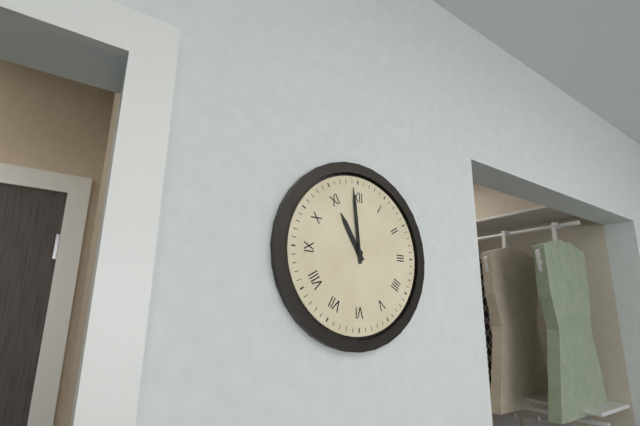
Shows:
10h59
